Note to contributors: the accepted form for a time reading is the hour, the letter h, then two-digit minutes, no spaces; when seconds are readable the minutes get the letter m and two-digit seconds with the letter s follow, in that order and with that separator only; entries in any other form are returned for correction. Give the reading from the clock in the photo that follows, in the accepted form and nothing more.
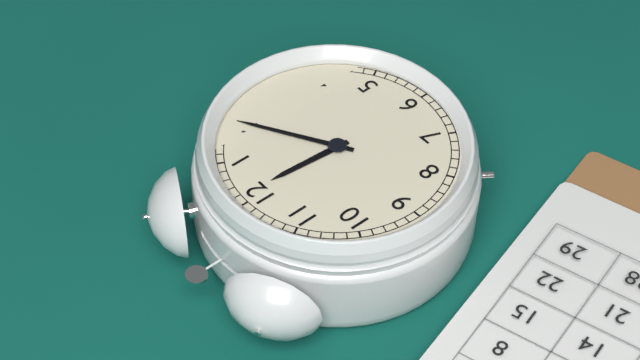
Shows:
12h10
